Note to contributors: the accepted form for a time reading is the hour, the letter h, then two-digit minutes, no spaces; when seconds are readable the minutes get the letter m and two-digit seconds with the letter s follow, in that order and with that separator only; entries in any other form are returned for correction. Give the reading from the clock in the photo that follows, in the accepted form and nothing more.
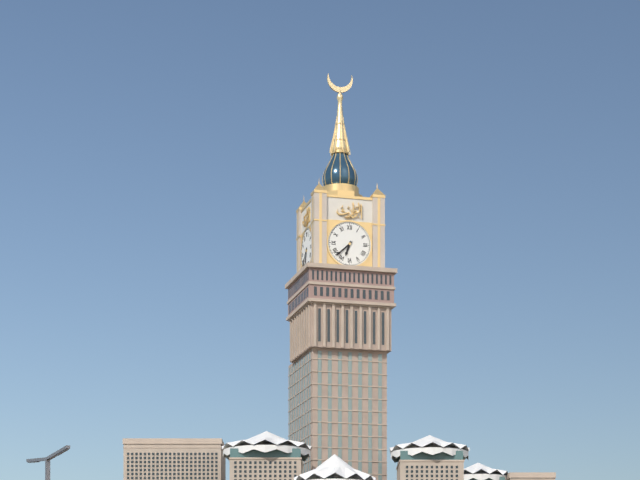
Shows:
6h38
